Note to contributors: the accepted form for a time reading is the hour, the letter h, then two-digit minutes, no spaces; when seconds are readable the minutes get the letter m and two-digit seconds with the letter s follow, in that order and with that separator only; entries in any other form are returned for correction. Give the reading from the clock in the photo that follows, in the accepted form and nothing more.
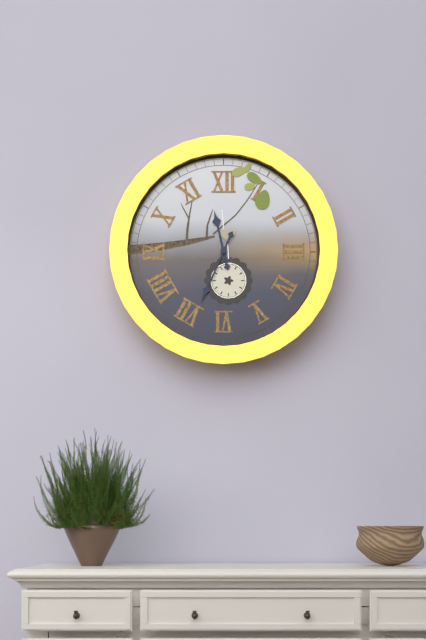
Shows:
11h34
